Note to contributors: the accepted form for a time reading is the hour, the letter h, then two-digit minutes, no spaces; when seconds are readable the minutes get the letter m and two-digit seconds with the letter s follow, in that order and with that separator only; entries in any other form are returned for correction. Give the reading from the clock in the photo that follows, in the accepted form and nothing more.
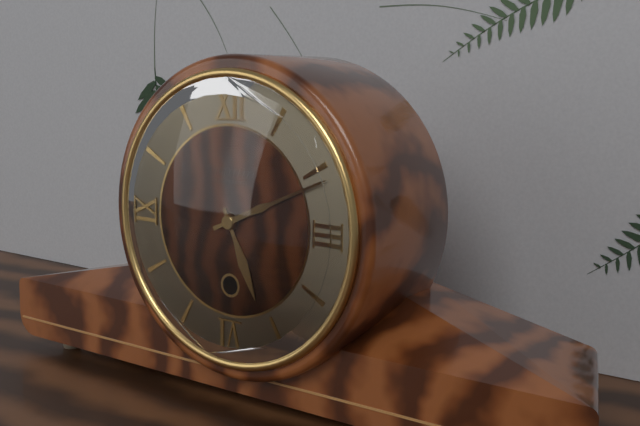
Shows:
5h11
